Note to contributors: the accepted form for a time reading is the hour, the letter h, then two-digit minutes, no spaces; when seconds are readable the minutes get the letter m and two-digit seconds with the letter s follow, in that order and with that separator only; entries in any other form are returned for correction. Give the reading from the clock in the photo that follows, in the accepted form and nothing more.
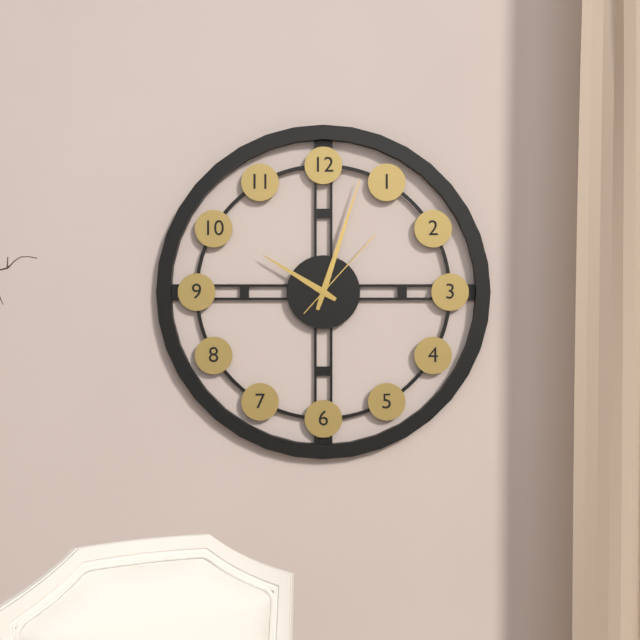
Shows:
10h03m07s
